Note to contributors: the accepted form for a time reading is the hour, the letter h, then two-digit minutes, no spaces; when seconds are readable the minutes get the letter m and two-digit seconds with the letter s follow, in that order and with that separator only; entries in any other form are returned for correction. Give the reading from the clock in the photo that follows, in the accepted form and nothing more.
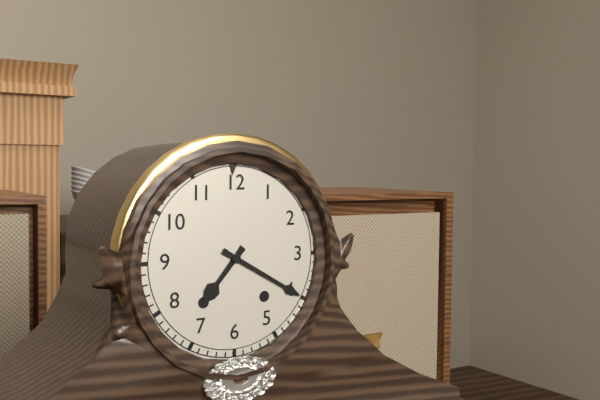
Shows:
7h20
